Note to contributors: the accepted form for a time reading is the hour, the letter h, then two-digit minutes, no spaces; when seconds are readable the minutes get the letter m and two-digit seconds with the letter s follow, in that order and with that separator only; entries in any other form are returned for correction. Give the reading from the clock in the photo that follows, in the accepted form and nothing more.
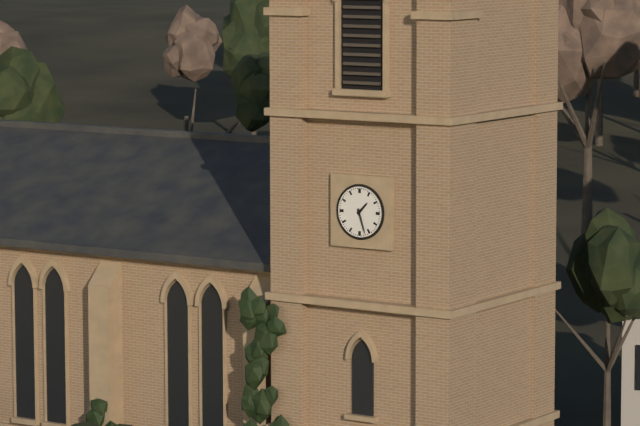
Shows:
1h27
